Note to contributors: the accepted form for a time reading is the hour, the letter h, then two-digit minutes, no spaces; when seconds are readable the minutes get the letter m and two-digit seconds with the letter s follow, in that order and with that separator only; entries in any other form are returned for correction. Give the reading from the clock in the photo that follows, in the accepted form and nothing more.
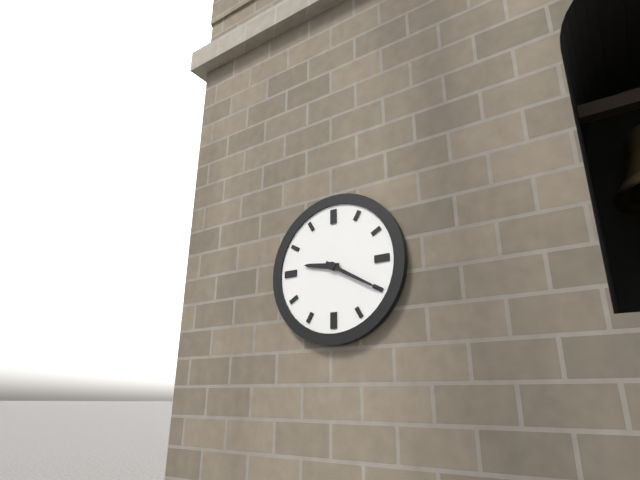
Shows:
9h20
